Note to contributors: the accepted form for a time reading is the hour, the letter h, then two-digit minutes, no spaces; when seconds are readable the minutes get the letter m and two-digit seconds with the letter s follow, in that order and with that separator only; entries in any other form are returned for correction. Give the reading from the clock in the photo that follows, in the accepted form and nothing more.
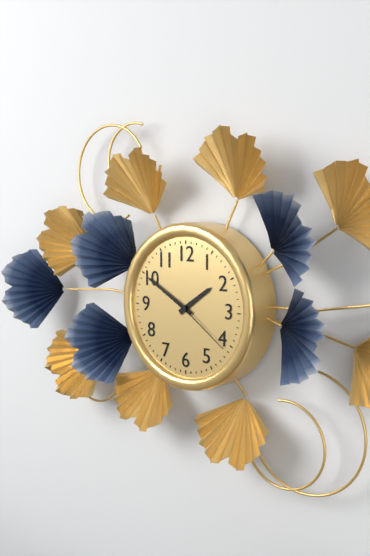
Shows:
1h50m21s
